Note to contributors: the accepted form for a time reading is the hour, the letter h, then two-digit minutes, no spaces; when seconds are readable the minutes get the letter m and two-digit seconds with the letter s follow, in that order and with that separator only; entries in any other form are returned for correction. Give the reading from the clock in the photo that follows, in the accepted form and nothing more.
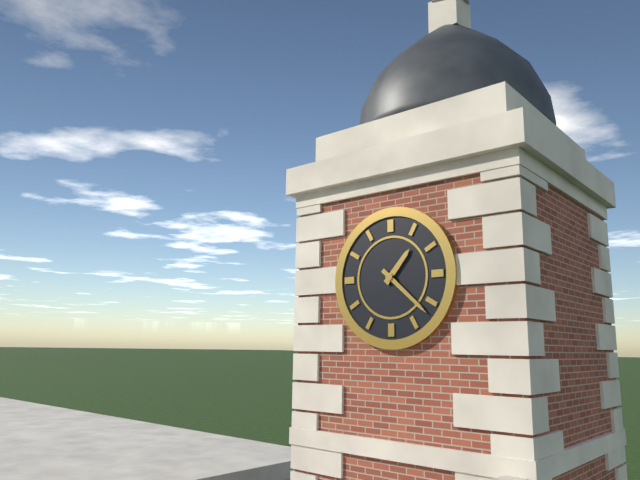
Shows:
1h22
